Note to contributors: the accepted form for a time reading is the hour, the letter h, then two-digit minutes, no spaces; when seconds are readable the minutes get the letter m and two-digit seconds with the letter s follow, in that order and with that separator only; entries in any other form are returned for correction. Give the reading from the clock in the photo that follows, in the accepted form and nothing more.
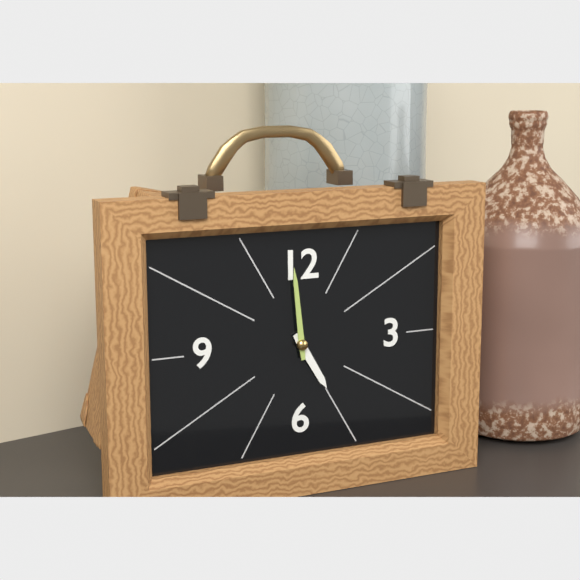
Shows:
4h59
